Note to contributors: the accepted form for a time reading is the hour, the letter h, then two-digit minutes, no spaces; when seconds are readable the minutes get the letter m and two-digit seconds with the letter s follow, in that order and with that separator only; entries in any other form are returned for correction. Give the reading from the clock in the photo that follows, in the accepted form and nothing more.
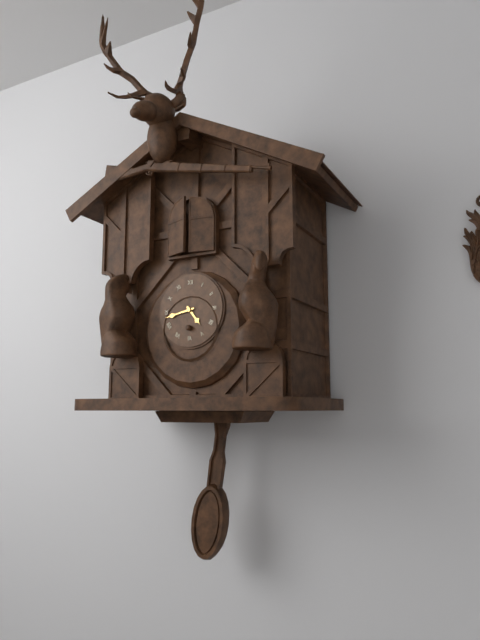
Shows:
4h43
